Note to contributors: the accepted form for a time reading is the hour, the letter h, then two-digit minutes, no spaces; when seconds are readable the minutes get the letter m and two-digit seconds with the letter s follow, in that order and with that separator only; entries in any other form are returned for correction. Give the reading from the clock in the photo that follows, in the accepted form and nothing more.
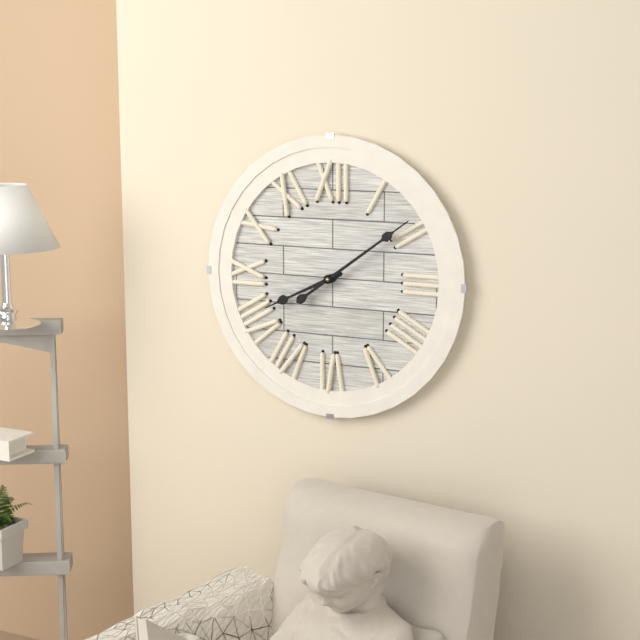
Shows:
8h09
